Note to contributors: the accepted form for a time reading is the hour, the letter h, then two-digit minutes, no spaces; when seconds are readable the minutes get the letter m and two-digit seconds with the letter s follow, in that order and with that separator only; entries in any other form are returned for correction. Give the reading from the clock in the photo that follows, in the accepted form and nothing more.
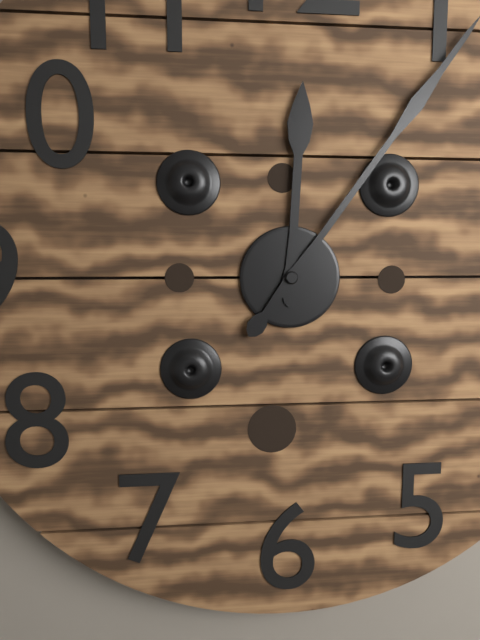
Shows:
12h06
